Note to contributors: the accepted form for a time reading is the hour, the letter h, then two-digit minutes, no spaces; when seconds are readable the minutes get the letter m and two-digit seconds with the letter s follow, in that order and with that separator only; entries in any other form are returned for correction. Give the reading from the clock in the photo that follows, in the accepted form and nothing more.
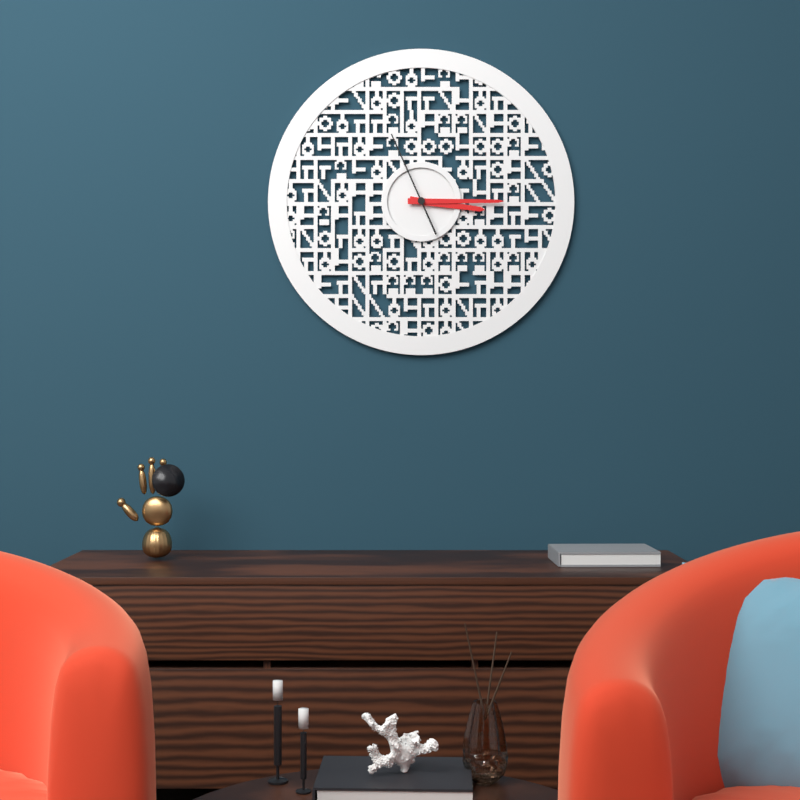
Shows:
3h15m56s
